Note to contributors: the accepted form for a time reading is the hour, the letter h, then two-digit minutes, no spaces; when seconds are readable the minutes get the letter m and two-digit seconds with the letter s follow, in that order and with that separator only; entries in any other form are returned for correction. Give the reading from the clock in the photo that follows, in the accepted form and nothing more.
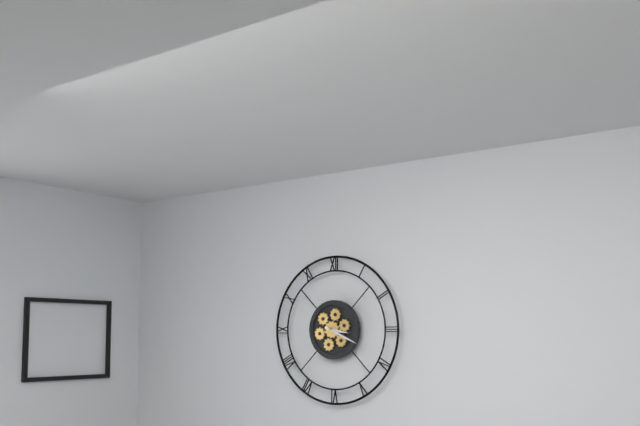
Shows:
3h19
